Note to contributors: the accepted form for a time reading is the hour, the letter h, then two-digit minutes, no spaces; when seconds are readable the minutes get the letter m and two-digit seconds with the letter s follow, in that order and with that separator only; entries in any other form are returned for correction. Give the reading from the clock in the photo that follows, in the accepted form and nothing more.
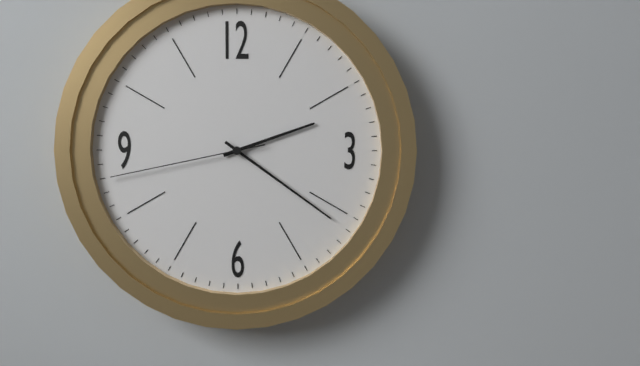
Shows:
2h21m43s
